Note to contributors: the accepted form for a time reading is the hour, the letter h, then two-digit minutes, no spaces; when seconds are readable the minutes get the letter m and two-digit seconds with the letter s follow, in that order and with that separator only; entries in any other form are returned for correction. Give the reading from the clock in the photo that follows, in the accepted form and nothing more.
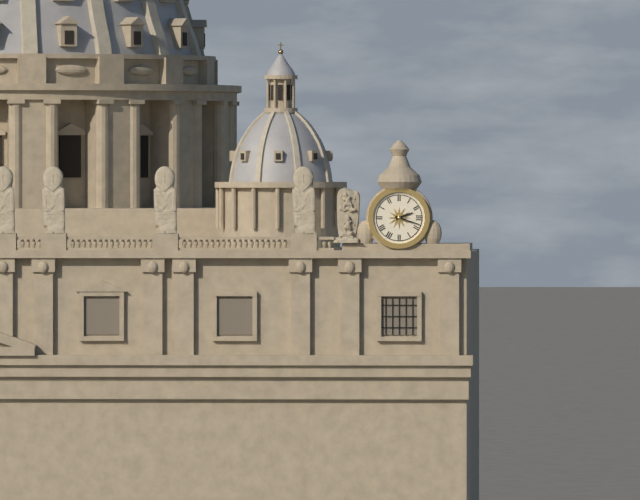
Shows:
2h18
